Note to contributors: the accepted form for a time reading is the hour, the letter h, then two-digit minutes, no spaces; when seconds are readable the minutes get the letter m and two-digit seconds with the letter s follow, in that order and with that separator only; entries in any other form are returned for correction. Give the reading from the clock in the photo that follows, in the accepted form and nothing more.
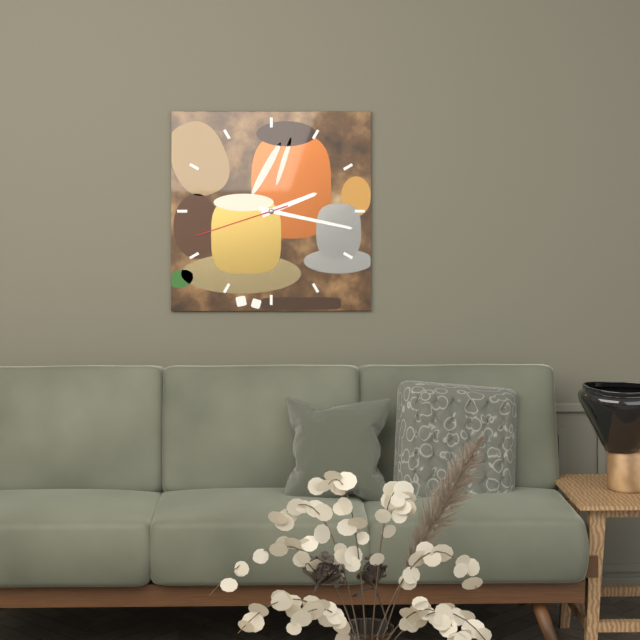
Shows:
2h17m42s
